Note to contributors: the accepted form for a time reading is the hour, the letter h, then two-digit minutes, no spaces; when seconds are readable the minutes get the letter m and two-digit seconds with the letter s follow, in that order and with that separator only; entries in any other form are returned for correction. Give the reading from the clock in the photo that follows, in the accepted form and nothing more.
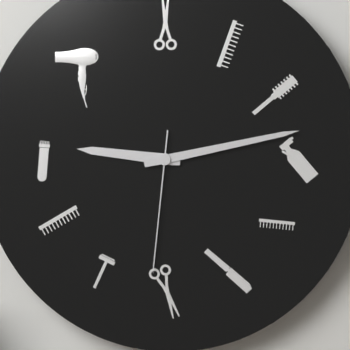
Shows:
9h13m31s
